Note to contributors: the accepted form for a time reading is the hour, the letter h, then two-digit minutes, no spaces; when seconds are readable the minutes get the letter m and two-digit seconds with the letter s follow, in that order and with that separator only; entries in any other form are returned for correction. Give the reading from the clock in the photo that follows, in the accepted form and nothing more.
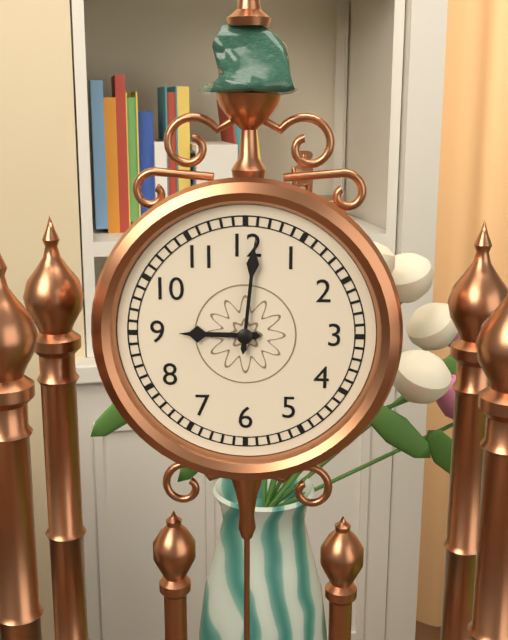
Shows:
9h01
